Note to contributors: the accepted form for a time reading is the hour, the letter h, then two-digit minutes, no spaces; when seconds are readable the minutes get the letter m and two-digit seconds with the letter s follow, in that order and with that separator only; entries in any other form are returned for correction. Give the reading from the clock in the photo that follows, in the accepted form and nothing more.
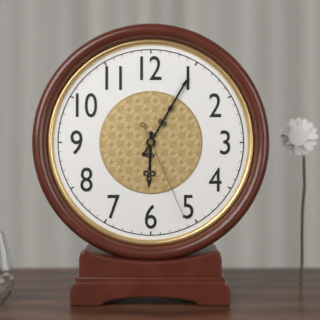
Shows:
6h05m26s
